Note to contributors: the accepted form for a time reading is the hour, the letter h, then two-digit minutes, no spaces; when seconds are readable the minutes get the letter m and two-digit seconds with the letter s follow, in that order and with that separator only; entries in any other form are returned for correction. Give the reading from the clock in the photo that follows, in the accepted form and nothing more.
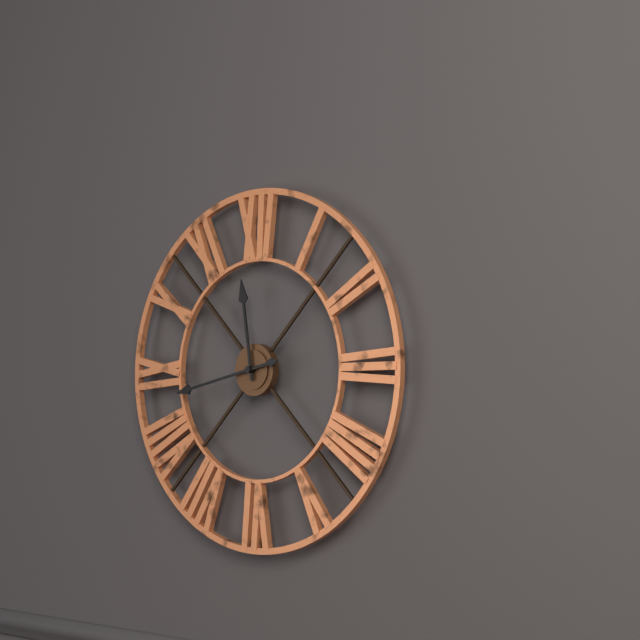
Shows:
11h43
